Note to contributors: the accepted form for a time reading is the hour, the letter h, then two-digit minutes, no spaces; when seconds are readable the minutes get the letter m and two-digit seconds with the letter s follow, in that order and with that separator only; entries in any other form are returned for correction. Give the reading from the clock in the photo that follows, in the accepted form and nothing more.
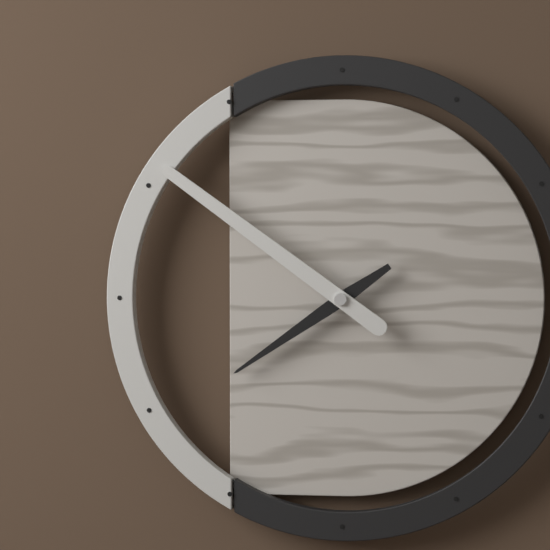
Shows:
7h51
